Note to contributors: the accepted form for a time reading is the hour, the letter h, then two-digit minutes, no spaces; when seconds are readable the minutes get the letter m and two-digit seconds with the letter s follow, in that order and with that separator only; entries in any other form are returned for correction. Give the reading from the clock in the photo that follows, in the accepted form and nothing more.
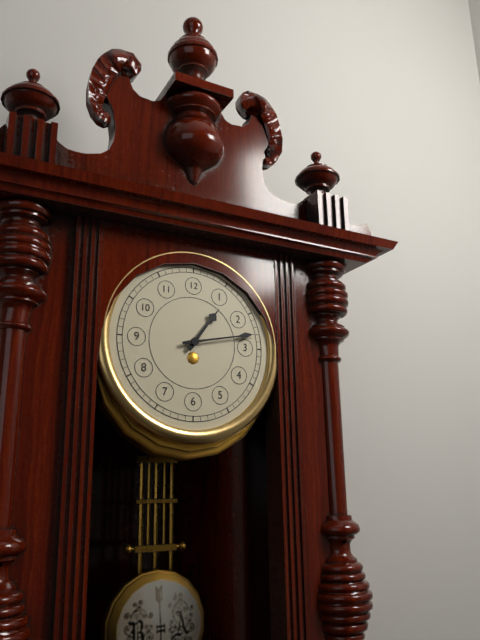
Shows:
1h13
